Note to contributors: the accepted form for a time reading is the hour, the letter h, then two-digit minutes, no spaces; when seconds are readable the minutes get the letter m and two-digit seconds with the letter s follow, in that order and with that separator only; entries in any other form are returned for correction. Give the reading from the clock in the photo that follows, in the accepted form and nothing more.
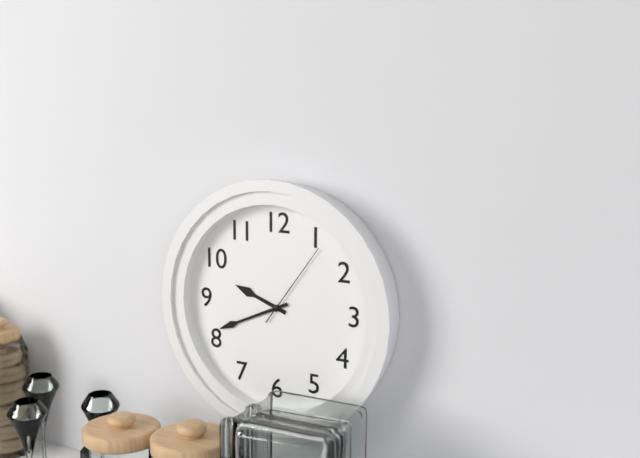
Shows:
9h41m06s
